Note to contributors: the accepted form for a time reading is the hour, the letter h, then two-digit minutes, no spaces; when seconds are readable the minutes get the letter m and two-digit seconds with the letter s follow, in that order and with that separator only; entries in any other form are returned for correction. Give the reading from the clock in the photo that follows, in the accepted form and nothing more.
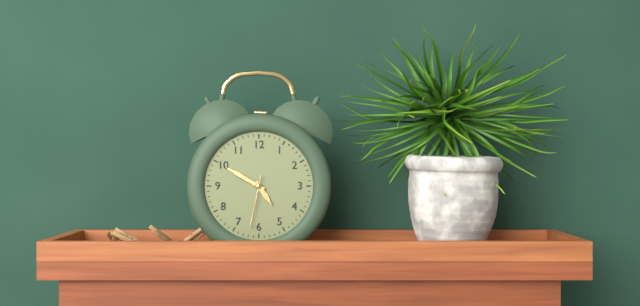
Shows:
4h50m32s
